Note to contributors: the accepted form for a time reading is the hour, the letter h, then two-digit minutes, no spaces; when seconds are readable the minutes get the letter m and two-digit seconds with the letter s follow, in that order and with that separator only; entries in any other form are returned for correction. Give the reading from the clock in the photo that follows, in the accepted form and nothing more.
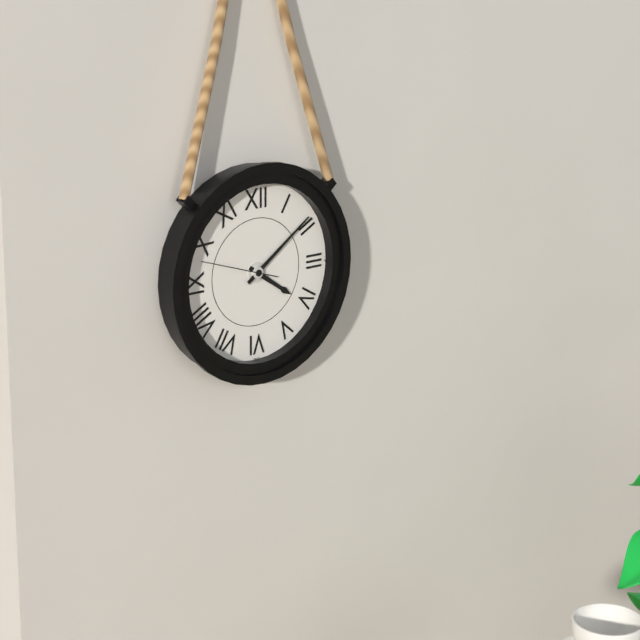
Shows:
4h09m48s
